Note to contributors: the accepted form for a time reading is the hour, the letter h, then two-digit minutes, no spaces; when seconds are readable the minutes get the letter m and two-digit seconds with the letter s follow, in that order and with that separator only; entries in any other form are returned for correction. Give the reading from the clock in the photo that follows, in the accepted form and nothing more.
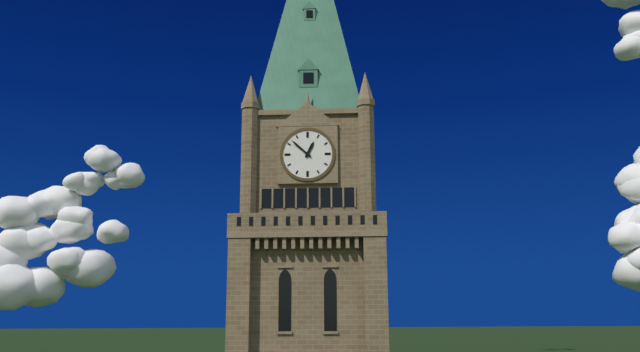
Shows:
12h52
